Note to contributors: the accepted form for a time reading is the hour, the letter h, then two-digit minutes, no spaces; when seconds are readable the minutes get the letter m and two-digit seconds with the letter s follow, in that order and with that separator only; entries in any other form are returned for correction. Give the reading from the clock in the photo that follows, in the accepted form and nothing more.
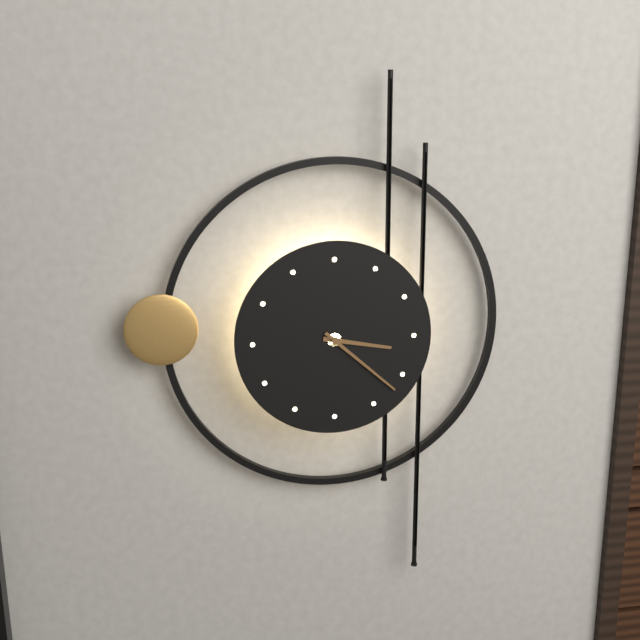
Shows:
3h22
